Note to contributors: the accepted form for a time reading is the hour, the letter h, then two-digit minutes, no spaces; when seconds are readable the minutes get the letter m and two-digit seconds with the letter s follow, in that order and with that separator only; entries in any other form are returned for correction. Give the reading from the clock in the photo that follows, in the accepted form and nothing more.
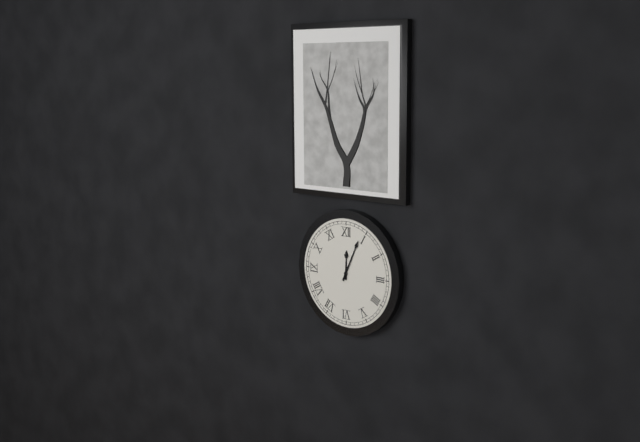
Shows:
12h04
